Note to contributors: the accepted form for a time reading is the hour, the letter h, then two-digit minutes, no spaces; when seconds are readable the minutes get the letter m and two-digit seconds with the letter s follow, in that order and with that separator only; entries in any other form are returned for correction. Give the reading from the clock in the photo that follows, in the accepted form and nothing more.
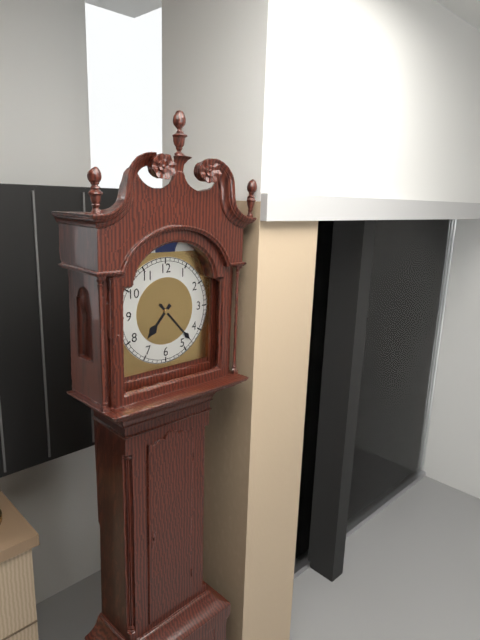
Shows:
7h23
